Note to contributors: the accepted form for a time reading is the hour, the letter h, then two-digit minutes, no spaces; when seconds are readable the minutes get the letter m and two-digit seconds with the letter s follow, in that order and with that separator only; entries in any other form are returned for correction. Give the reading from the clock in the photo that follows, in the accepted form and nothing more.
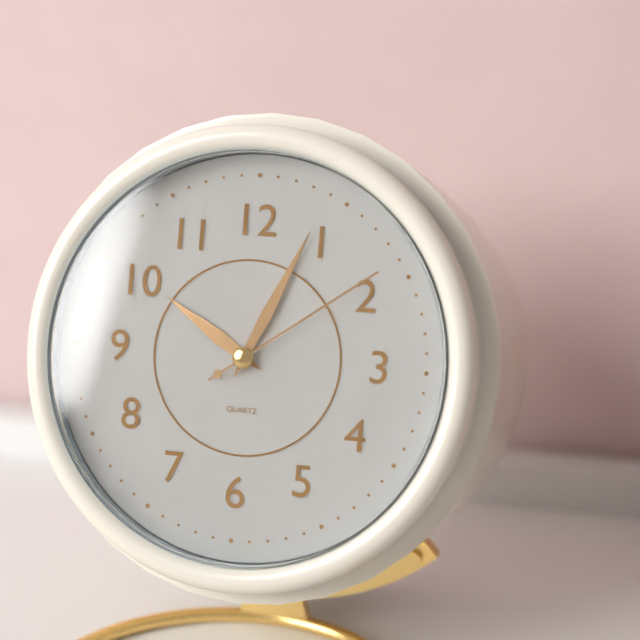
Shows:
10h04m09s
